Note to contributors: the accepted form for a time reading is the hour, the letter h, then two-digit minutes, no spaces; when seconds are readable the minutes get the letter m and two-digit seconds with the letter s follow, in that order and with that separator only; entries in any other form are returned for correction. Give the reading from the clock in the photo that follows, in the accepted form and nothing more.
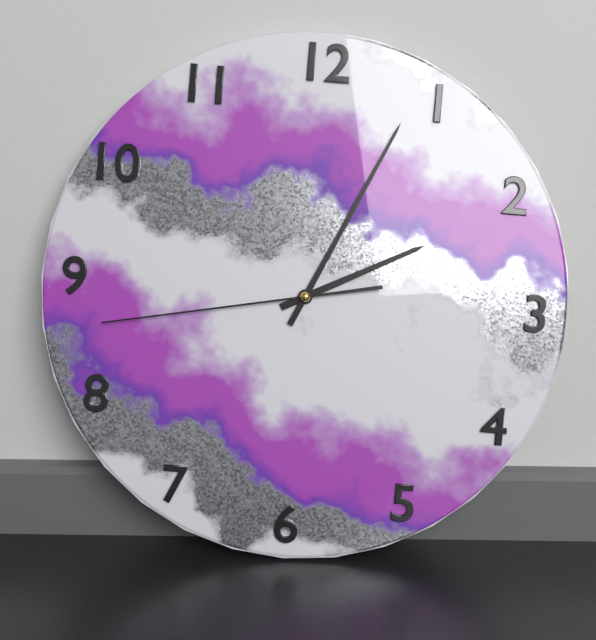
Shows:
2h04m43s
